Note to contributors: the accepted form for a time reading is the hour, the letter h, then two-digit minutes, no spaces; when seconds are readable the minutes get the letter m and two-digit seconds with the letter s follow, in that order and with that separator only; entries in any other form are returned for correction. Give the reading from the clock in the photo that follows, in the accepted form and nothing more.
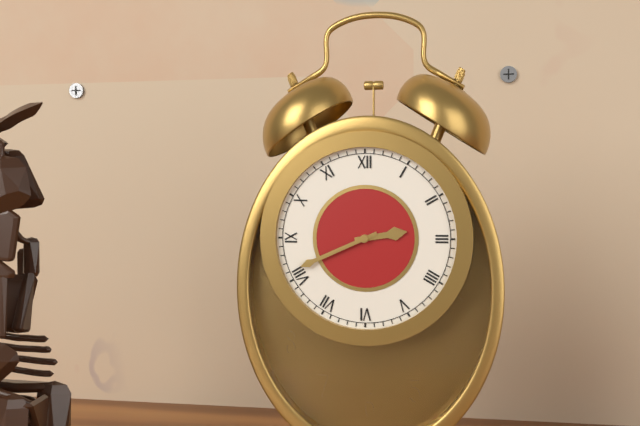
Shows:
2h41
